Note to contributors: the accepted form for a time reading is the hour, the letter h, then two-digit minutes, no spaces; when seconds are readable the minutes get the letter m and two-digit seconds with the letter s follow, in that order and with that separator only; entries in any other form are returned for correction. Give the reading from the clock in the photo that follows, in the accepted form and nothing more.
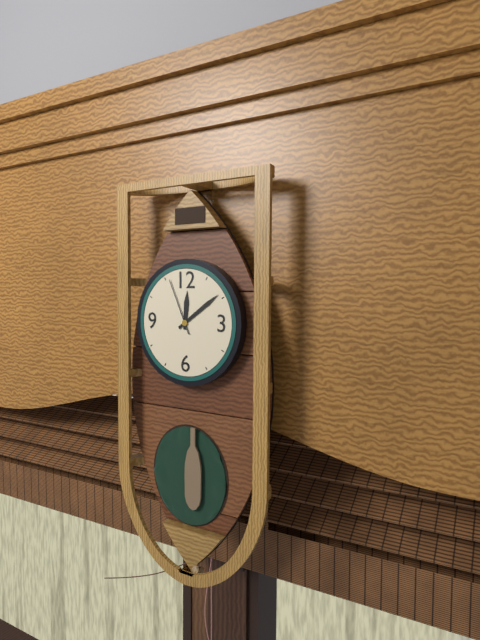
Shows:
12h09m56s
